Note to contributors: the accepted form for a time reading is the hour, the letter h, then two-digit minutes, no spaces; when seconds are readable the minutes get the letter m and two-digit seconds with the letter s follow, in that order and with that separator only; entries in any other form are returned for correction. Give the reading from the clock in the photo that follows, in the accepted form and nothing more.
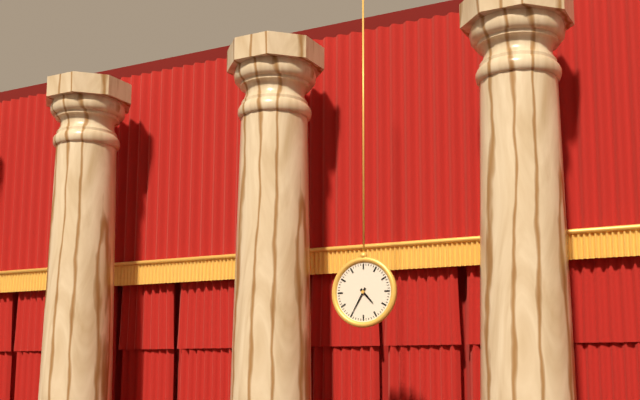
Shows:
4h35
